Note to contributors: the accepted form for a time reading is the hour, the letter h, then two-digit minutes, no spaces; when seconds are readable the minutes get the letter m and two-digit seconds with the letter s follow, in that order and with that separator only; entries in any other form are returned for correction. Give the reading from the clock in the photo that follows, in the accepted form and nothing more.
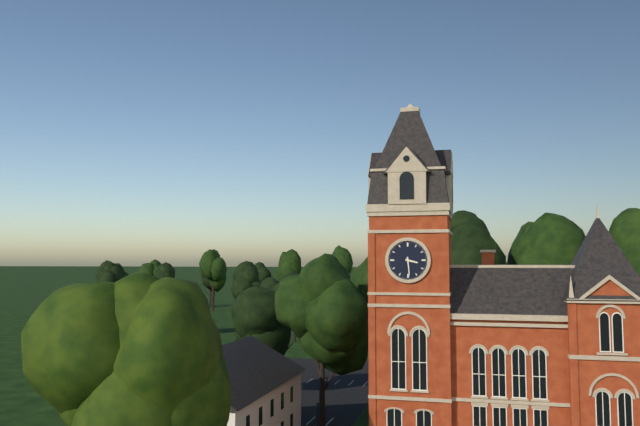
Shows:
3h29
